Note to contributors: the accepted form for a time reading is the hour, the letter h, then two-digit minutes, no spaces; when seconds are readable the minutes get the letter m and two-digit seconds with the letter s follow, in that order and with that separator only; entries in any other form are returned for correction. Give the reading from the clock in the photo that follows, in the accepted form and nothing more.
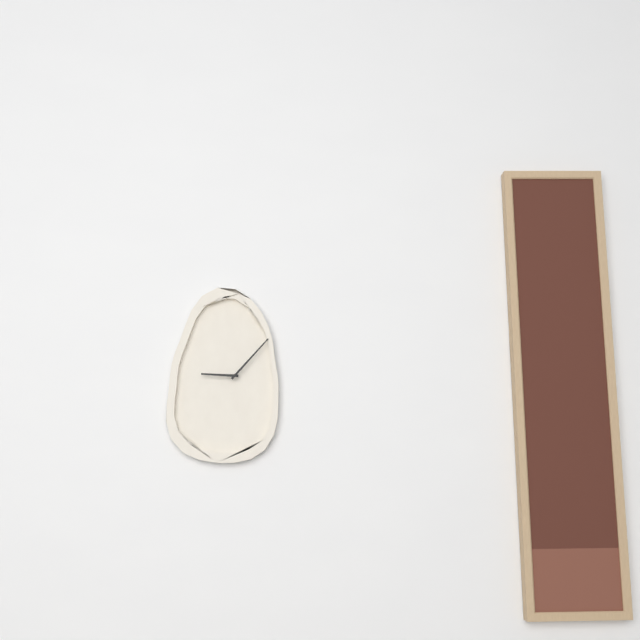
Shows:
9h07
